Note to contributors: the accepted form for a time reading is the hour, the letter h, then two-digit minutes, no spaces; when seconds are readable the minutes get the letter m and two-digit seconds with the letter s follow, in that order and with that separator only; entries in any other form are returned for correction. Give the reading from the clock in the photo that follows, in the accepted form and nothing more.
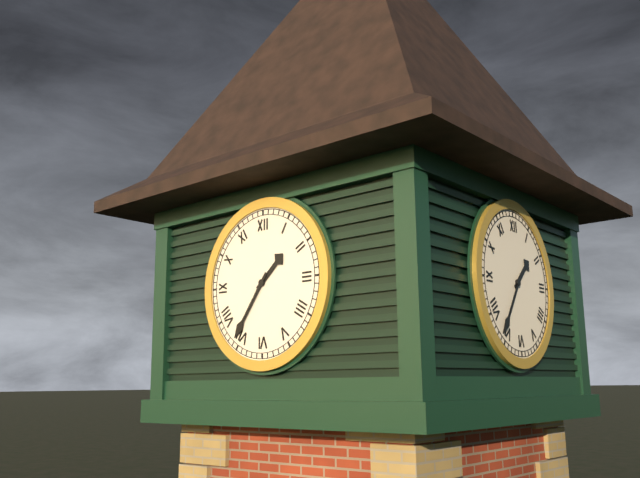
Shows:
1h36
